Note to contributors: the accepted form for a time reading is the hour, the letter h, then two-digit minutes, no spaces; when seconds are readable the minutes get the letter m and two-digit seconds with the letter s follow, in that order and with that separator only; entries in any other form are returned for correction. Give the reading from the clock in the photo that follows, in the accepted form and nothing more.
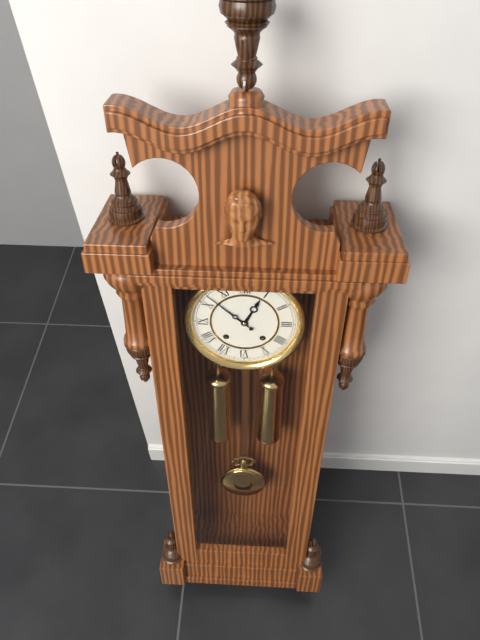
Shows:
12h52
